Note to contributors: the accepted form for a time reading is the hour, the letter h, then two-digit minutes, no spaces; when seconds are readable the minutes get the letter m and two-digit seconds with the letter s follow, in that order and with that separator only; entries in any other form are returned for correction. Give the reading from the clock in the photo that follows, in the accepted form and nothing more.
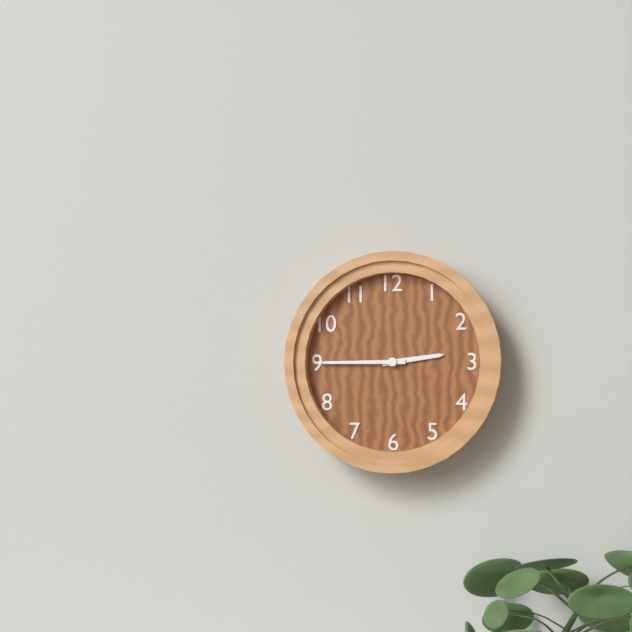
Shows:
2h45
